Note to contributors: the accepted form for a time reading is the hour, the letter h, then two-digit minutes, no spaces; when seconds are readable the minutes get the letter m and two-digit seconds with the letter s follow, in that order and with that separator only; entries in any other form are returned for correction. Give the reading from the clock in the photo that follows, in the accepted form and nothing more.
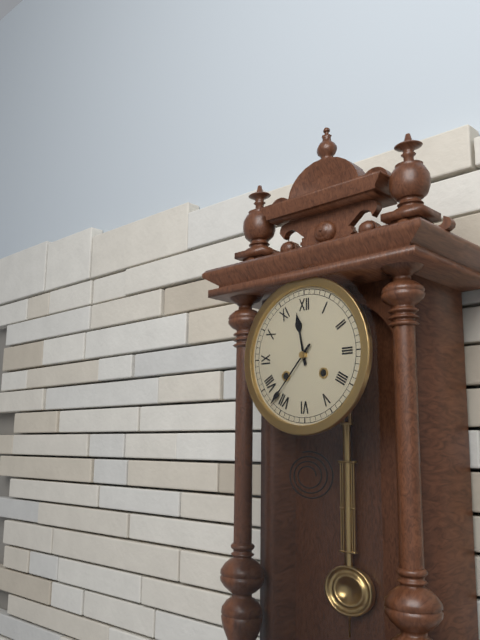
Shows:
11h37
